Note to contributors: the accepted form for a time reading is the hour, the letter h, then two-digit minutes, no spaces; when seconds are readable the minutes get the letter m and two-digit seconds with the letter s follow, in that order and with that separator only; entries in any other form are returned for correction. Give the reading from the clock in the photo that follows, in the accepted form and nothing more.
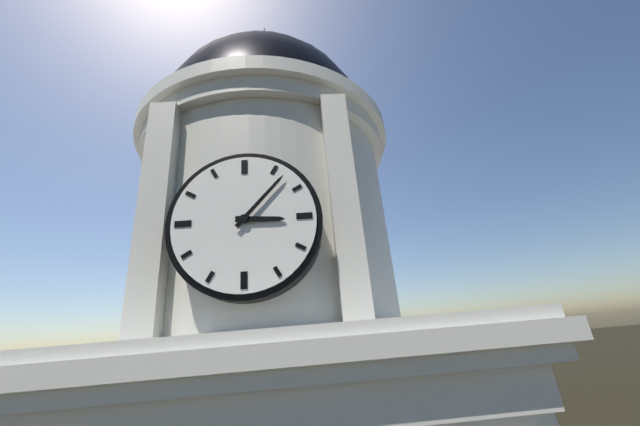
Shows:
3h07
